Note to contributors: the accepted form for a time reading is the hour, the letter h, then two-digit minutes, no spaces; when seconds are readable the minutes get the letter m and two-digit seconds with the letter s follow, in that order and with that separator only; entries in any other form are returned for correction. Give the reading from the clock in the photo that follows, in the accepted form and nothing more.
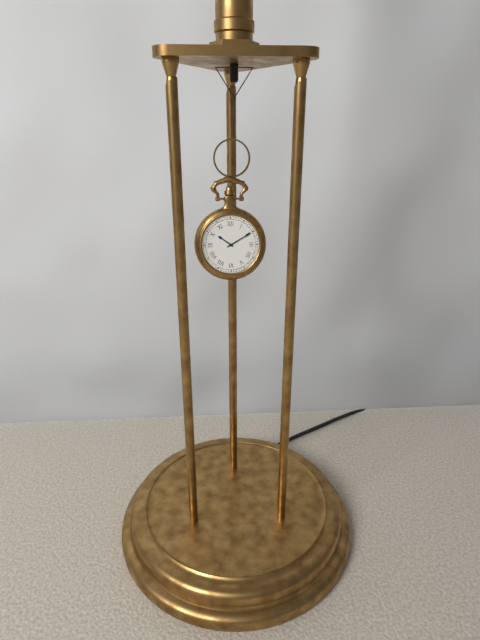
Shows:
10h10
